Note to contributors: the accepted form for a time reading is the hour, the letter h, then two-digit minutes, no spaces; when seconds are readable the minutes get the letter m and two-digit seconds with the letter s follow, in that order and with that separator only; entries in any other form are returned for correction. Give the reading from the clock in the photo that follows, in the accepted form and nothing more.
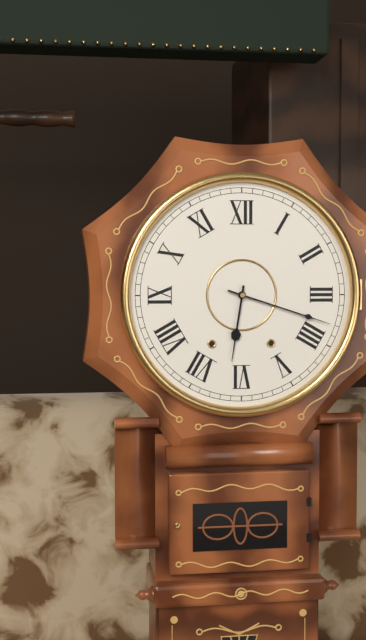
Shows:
6h18
